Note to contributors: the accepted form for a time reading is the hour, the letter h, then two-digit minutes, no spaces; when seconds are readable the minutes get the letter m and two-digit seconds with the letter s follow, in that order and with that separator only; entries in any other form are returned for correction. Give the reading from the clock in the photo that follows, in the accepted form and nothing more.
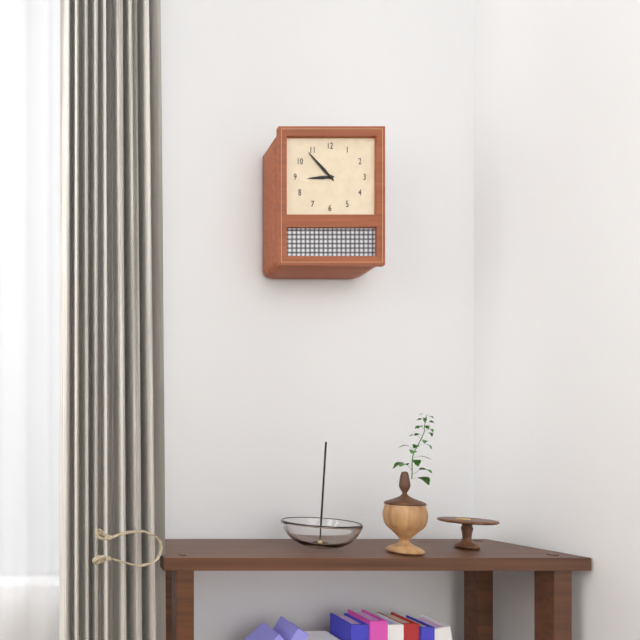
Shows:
8h53
